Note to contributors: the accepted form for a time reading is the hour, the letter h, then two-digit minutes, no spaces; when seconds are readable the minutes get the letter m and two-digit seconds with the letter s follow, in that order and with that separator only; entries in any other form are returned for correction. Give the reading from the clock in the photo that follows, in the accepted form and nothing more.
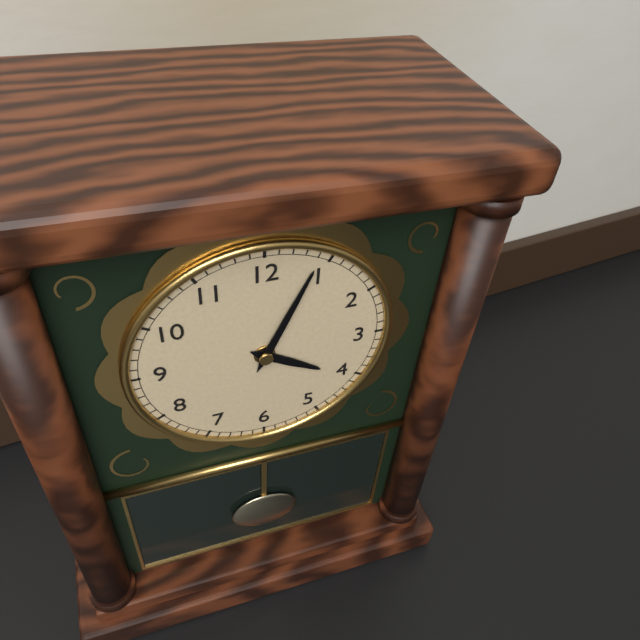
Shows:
4h04
